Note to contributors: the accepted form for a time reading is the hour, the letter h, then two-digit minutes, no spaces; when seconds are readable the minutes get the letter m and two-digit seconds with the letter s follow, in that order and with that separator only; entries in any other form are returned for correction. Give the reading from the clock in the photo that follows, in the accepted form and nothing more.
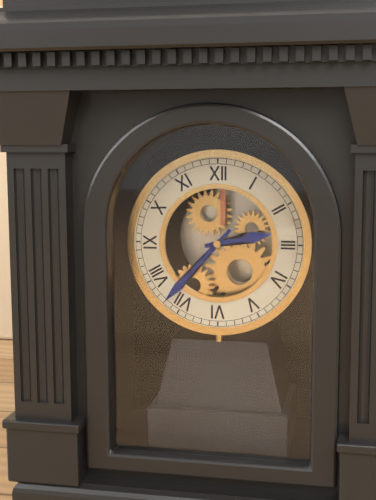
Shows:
2h37
